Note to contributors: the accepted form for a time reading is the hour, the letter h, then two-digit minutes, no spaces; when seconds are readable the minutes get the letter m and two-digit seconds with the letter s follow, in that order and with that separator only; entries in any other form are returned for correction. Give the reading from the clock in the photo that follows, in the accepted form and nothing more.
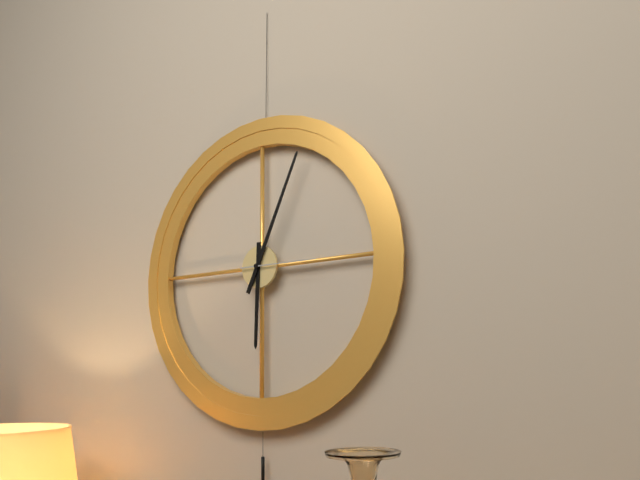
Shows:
6h04m15s
